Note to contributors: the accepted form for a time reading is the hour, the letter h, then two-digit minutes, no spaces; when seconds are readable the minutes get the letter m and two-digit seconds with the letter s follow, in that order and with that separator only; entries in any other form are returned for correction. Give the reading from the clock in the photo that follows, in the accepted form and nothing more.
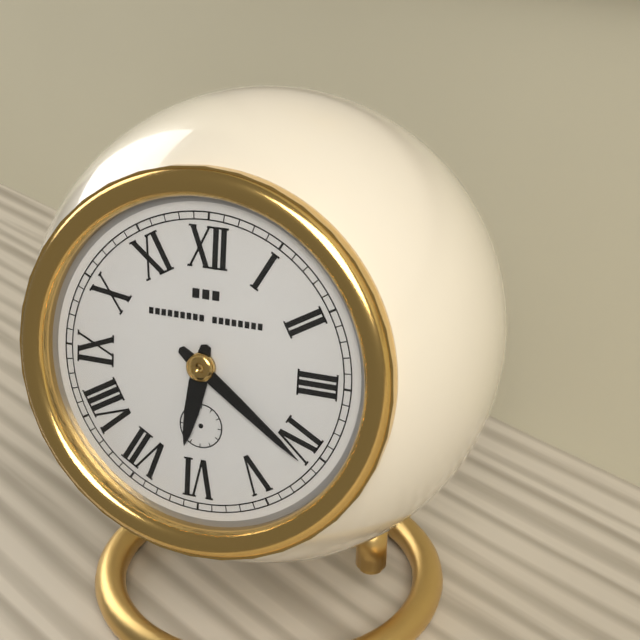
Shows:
6h21
